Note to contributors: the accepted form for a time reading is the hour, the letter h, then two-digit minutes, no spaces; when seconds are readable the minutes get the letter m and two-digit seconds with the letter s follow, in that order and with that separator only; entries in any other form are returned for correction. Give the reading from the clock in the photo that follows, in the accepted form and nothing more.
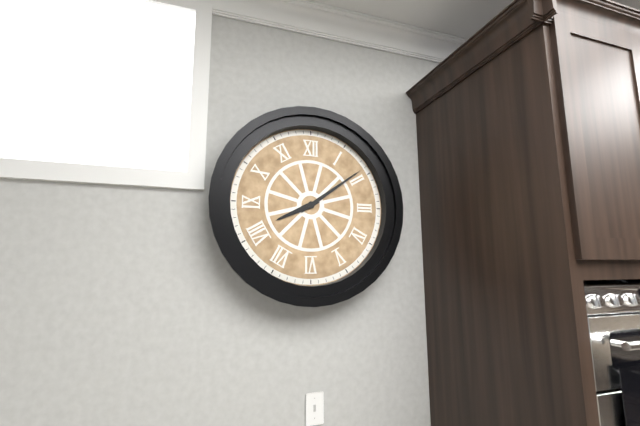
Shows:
8h09
